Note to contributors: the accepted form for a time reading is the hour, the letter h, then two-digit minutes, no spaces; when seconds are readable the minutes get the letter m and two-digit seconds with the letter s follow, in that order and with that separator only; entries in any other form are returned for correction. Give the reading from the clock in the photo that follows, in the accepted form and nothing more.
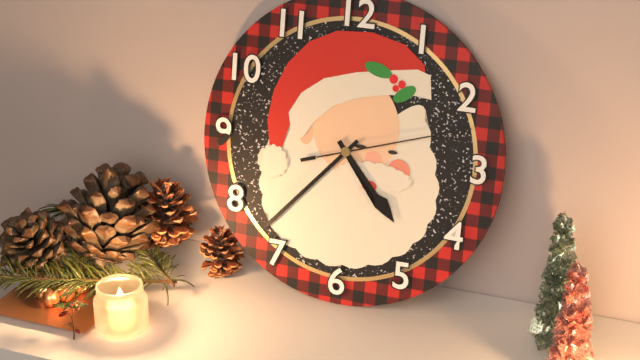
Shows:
4h37m12s
